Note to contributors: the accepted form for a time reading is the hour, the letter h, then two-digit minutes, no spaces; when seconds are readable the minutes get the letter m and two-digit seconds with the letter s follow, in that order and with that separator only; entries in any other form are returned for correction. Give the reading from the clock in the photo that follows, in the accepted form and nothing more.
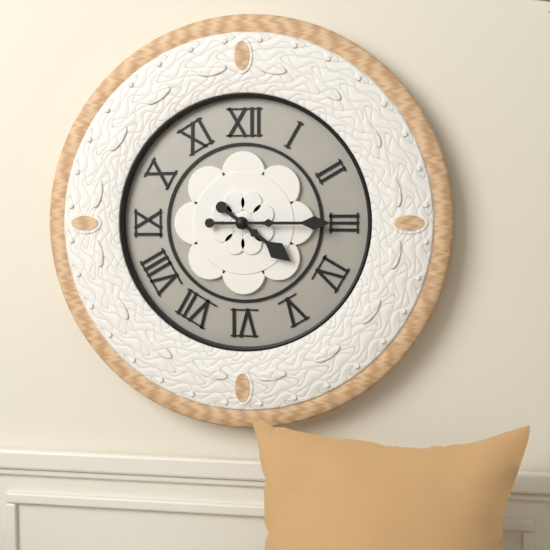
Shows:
4h15
